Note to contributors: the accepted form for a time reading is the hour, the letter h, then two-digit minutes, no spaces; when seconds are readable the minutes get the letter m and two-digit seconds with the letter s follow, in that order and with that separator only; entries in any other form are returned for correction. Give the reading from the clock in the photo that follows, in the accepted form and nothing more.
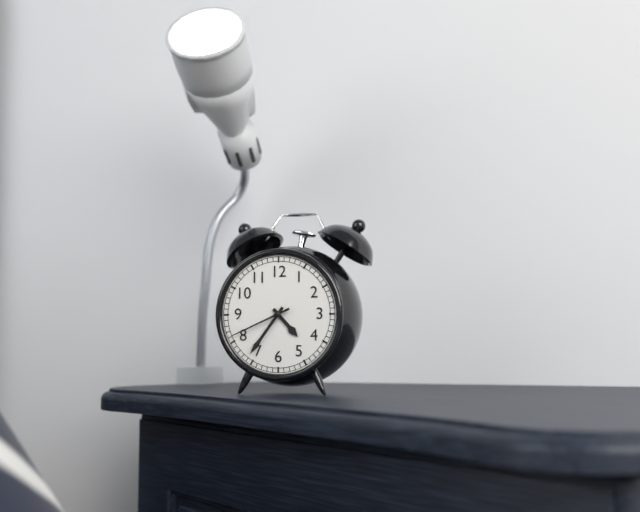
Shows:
4h36m41s
